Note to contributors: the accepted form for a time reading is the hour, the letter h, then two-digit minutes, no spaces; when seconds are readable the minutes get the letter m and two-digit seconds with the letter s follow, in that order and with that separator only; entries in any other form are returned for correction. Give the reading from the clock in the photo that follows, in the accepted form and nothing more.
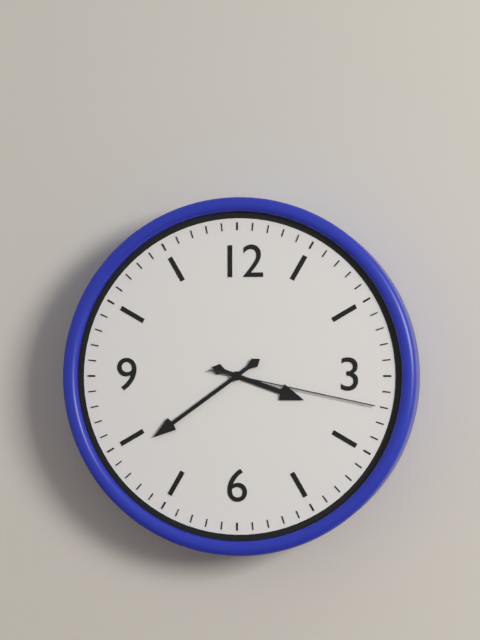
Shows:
3h39m17s
